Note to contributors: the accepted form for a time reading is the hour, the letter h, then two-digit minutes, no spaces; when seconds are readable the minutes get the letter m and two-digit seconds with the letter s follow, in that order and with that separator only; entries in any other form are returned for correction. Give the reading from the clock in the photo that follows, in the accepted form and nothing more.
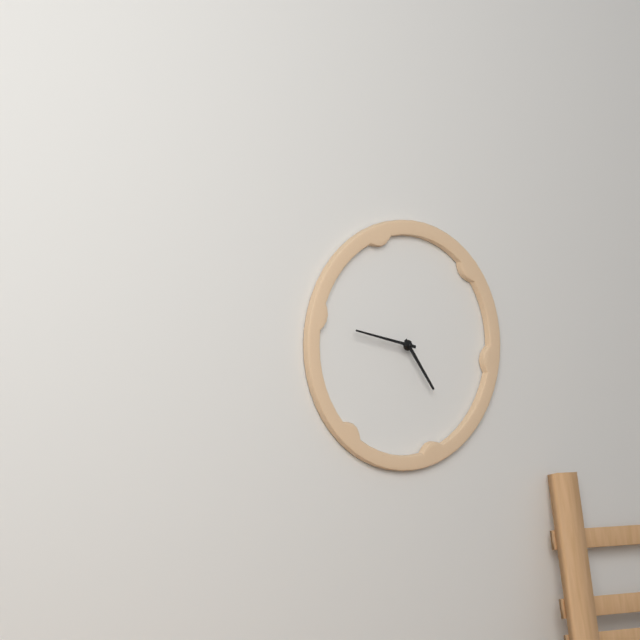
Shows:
4h47
